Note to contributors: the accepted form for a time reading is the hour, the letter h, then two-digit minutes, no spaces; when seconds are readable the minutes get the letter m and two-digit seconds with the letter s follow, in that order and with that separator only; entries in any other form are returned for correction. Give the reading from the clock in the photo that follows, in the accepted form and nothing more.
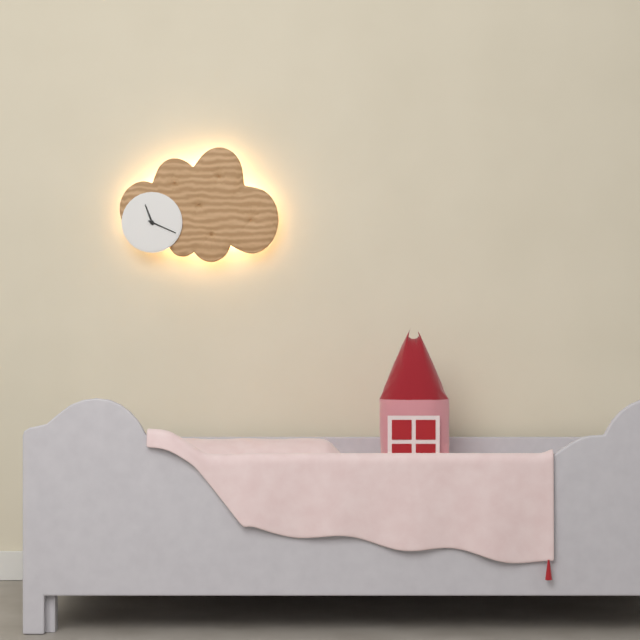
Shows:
11h19
